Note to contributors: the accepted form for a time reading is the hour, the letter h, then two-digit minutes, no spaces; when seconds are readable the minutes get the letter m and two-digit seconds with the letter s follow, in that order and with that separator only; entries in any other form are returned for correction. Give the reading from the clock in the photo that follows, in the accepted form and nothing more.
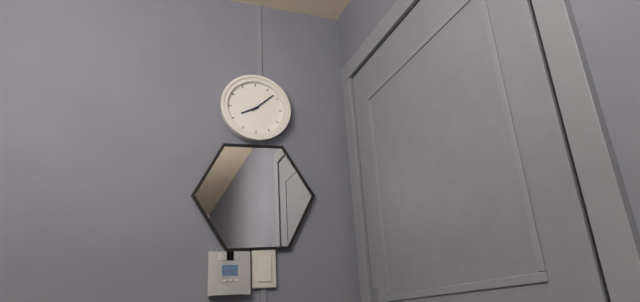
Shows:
8h08
